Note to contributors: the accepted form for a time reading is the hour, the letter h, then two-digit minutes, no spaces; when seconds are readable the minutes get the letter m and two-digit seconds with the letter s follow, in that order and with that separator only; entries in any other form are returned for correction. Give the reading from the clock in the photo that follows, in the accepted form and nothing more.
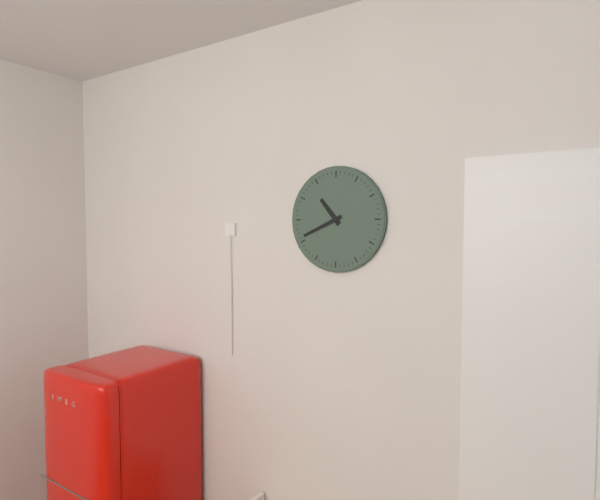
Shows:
10h41
